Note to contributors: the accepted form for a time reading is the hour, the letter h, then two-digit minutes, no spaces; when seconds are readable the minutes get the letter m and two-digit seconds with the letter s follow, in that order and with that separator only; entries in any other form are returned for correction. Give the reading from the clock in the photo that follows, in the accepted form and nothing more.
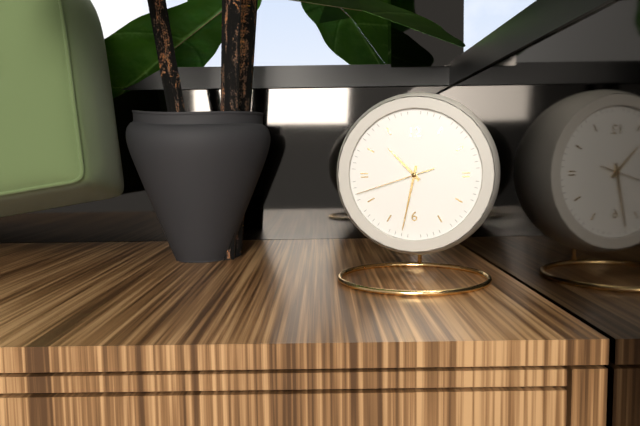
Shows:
10h32m42s
